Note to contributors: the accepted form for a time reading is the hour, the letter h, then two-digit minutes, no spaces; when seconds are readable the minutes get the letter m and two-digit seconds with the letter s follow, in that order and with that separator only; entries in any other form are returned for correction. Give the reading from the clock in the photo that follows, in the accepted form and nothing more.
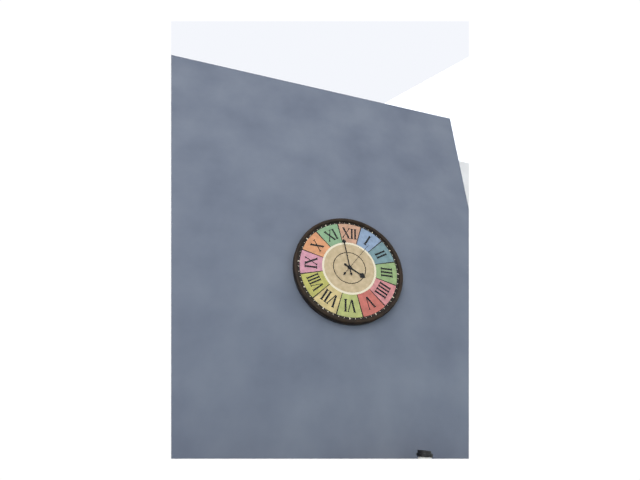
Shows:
3h58
